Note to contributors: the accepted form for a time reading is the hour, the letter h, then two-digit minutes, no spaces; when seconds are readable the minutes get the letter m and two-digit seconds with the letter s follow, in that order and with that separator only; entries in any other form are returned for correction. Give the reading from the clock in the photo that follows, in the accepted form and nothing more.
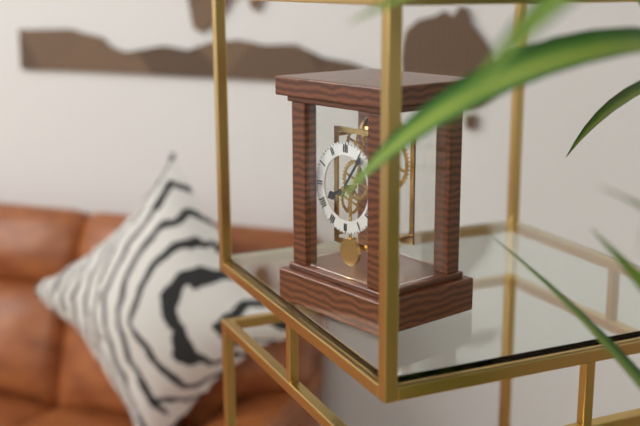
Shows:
8h06
